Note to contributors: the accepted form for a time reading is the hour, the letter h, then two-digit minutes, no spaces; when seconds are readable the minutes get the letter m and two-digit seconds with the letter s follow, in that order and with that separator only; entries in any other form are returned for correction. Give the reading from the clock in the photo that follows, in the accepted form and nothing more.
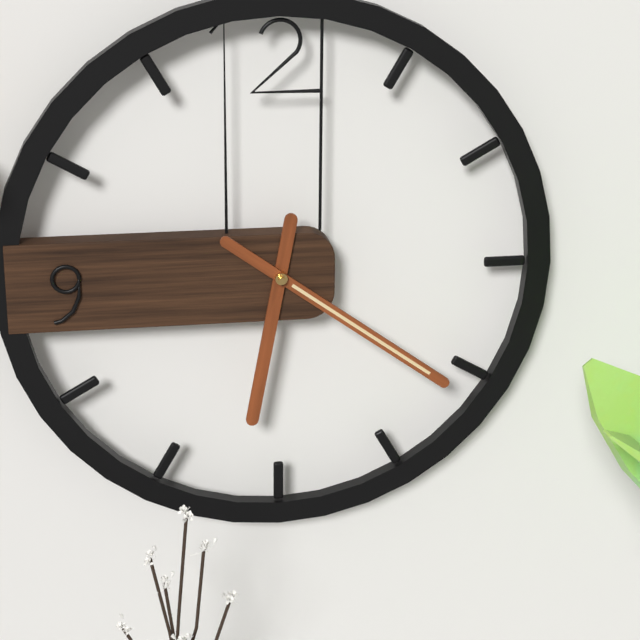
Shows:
6h21
